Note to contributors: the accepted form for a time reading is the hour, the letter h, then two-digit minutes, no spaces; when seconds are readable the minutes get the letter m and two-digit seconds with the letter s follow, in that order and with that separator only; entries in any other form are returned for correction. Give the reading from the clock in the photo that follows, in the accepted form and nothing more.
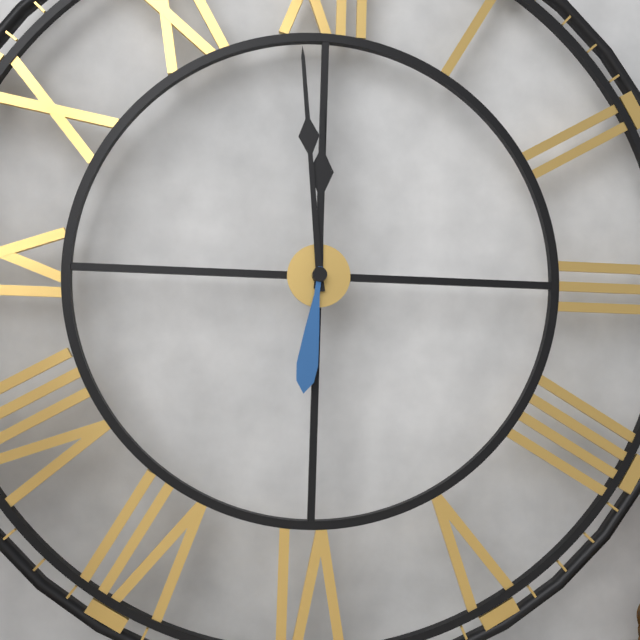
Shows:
11h59m31s
